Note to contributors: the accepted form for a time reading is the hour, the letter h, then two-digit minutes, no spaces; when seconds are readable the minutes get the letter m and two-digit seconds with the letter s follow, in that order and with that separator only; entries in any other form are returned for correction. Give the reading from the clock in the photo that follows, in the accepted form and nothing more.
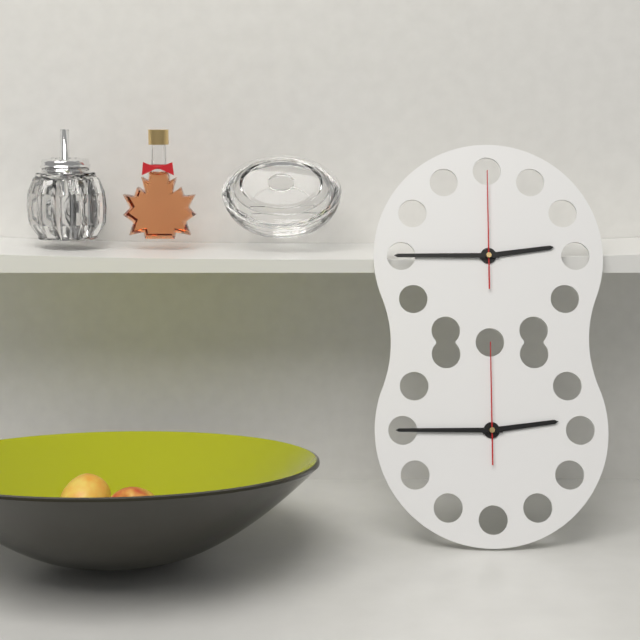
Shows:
2h45m00s
